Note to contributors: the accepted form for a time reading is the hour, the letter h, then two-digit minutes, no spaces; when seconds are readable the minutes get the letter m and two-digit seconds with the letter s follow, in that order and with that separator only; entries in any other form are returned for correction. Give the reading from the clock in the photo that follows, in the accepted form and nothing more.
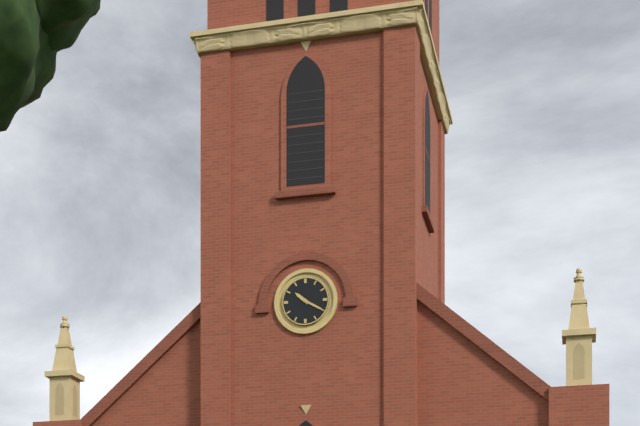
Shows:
10h20
